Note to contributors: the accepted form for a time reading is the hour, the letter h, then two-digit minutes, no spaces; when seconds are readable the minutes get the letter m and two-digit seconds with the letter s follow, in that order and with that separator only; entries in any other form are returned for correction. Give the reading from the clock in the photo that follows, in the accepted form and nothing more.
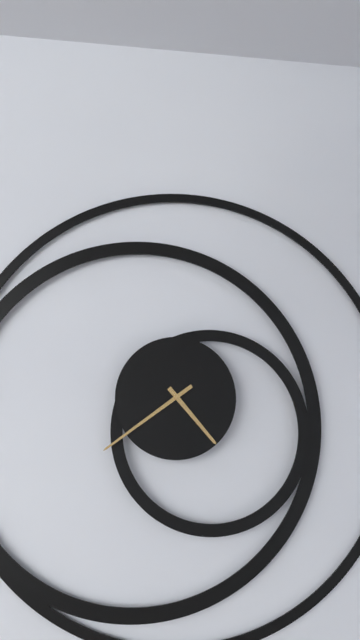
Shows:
4h39
